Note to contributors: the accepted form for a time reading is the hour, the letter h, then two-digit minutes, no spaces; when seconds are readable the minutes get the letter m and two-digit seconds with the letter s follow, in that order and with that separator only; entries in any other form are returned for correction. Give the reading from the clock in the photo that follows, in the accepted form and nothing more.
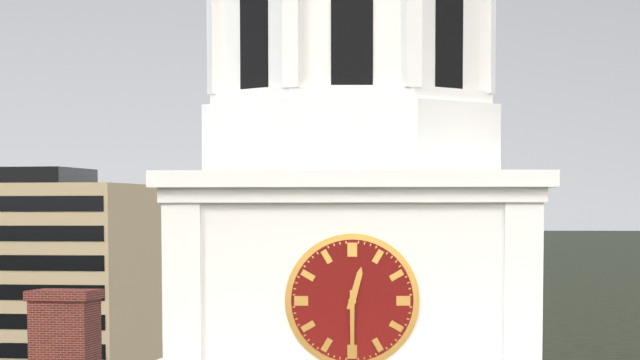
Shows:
12h30
